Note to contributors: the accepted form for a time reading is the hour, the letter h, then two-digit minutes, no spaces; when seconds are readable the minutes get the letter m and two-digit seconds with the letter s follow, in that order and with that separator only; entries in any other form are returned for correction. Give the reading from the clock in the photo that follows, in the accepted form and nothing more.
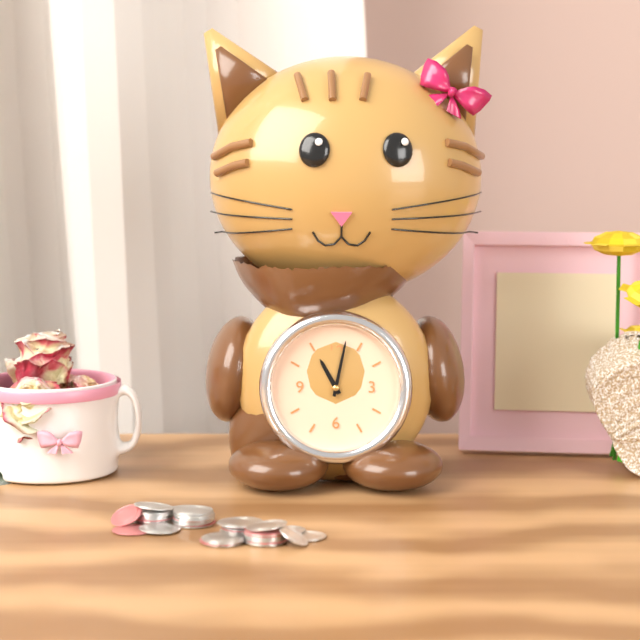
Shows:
11h02
